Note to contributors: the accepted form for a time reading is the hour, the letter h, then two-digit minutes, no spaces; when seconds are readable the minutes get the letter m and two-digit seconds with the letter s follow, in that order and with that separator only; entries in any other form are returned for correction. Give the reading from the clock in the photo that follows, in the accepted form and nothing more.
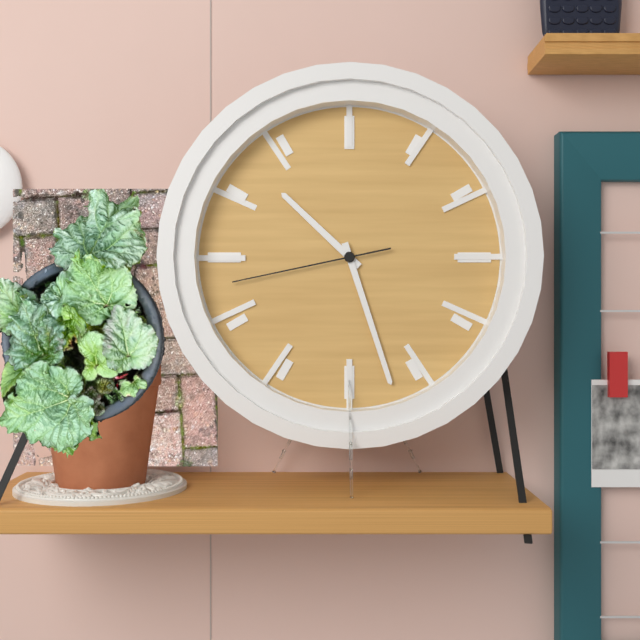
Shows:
10h27m43s
